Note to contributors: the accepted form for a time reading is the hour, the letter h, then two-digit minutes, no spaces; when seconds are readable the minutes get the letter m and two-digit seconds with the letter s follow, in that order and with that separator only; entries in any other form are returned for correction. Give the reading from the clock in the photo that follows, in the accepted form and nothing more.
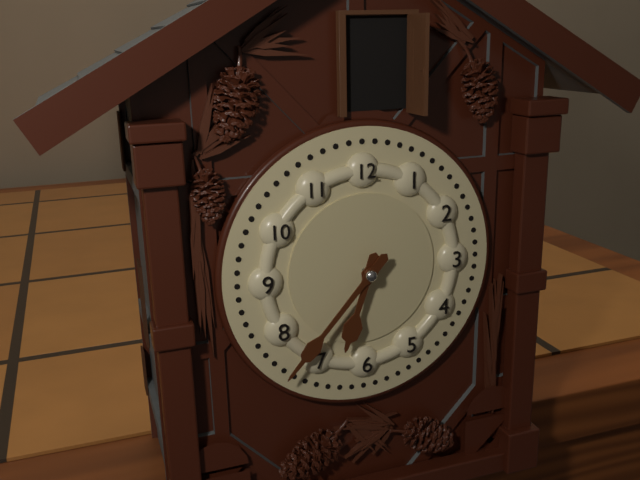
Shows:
6h37
